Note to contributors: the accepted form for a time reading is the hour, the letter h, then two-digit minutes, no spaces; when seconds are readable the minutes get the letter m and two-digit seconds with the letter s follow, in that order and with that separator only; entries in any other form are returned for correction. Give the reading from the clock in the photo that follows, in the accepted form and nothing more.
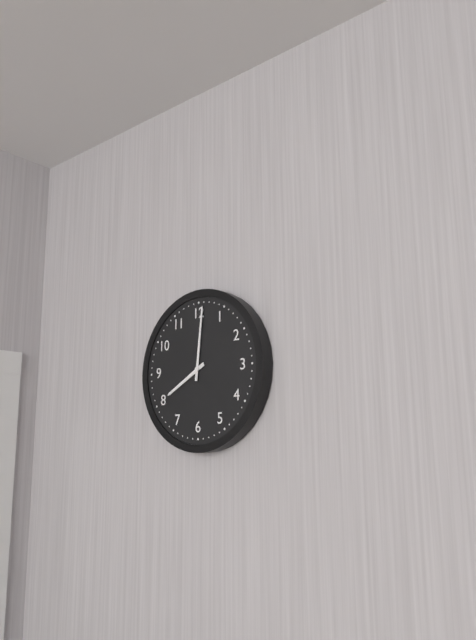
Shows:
8h01
